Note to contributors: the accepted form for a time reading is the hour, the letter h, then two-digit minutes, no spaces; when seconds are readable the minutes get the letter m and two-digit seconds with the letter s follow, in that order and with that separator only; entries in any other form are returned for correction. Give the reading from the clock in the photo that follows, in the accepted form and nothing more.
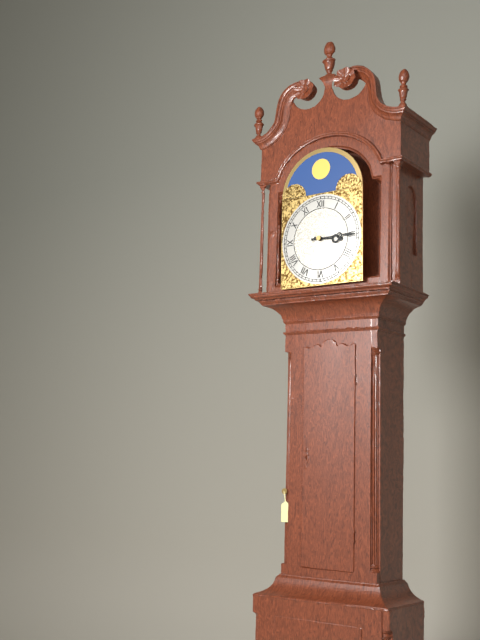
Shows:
3h15
